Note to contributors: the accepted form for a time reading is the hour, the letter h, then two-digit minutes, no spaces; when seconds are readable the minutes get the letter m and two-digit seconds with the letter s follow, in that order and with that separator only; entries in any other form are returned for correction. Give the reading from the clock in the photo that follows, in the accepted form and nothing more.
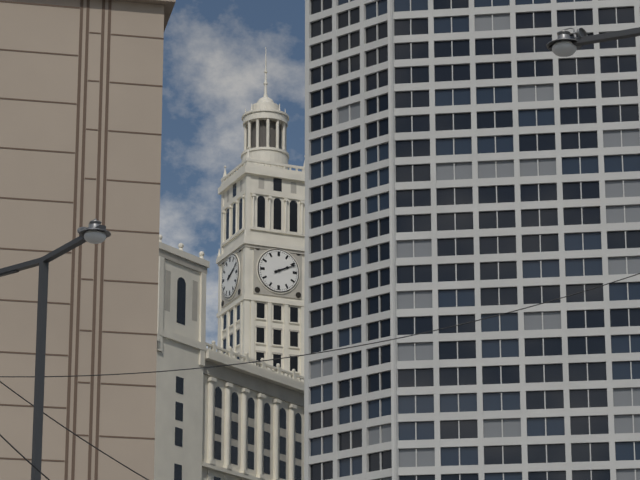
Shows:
2h11
